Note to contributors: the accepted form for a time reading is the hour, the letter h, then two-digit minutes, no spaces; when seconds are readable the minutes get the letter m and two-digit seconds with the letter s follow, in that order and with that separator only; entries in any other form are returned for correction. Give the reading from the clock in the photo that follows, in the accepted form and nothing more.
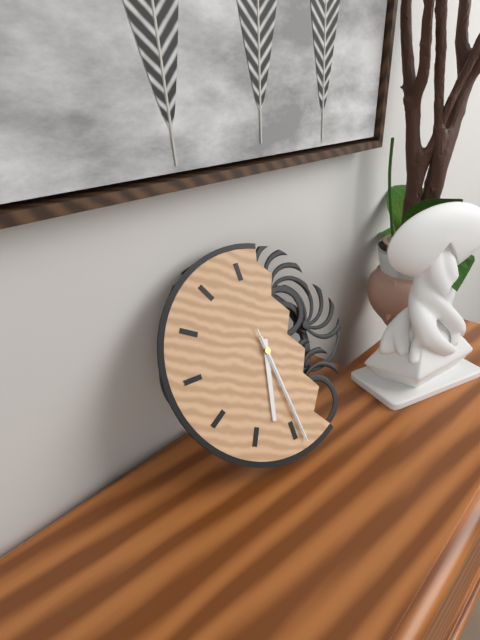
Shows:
6h29m29s
